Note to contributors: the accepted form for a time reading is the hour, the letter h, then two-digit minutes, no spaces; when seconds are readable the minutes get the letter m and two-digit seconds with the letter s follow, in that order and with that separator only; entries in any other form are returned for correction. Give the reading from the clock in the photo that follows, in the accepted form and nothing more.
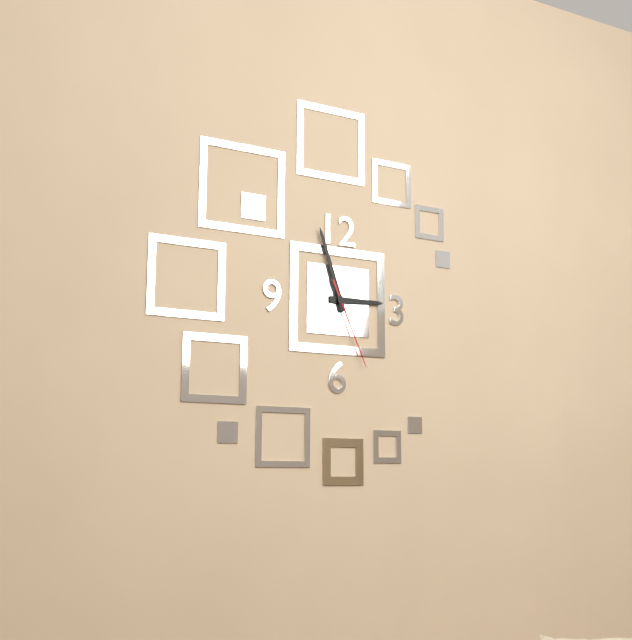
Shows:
2h57m26s
